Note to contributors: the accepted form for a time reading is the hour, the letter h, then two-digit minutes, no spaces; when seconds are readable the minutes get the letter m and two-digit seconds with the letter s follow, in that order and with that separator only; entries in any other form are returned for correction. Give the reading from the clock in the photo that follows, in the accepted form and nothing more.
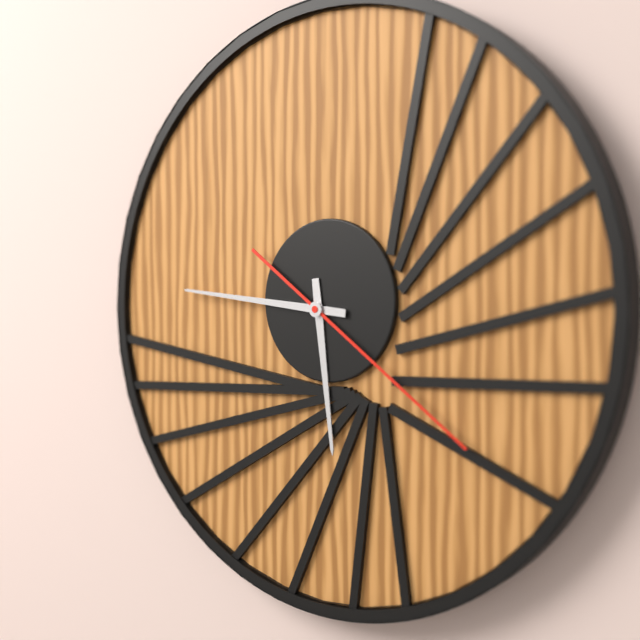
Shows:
5h46m21s
